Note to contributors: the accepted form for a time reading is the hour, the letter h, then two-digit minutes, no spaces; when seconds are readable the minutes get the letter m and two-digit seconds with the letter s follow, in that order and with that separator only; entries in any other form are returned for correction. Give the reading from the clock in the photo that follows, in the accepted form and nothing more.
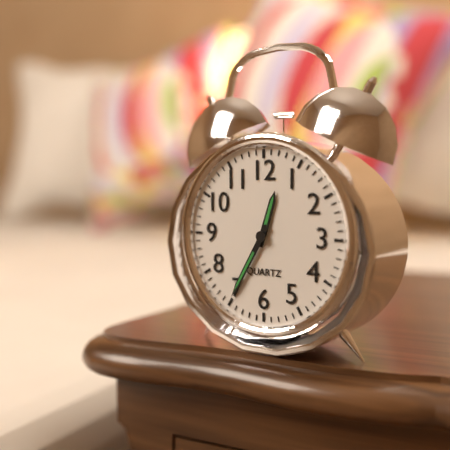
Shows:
12h35
